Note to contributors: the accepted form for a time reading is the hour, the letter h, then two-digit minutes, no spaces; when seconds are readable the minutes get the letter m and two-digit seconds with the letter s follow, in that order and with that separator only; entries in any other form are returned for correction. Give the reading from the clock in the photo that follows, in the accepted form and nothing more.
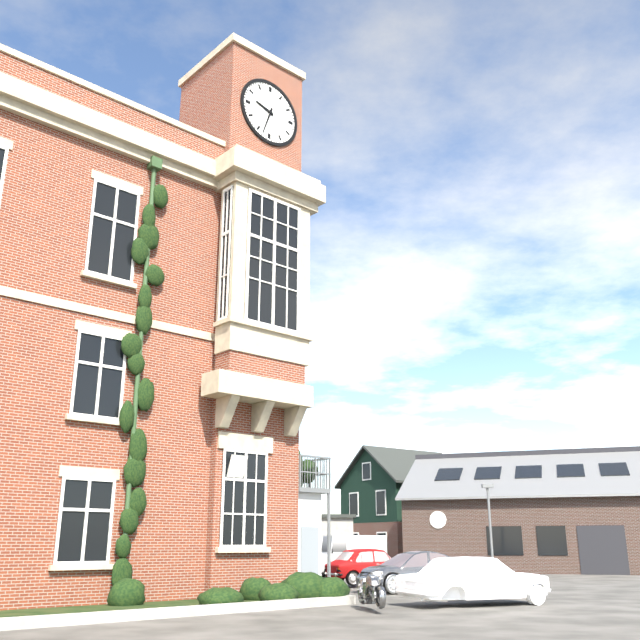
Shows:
9h33
